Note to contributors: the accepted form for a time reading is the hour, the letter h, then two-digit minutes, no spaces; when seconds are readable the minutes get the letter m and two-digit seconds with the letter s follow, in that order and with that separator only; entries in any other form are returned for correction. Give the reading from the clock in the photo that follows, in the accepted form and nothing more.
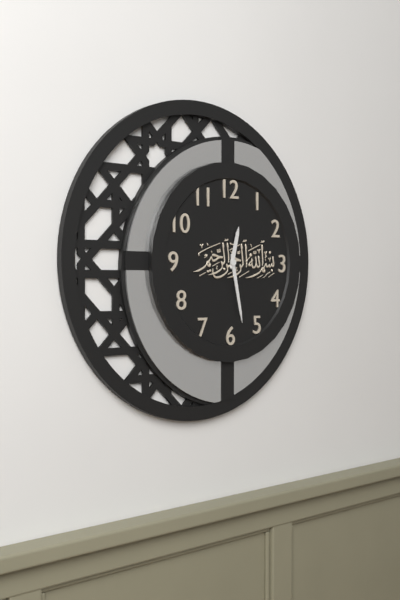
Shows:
12h28
